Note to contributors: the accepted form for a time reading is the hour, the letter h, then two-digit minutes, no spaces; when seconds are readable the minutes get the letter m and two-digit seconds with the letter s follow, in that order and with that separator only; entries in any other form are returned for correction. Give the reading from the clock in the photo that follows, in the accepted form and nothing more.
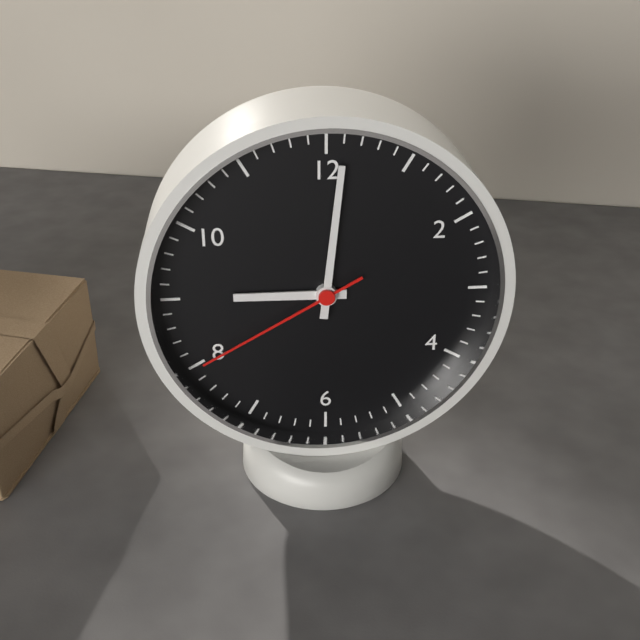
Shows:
9h01m40s
